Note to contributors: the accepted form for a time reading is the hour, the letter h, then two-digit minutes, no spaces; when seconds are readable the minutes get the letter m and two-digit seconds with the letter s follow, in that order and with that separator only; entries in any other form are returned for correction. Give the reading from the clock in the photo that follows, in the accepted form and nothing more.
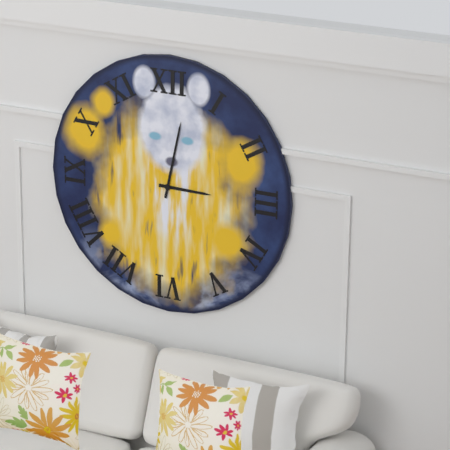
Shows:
3h02
